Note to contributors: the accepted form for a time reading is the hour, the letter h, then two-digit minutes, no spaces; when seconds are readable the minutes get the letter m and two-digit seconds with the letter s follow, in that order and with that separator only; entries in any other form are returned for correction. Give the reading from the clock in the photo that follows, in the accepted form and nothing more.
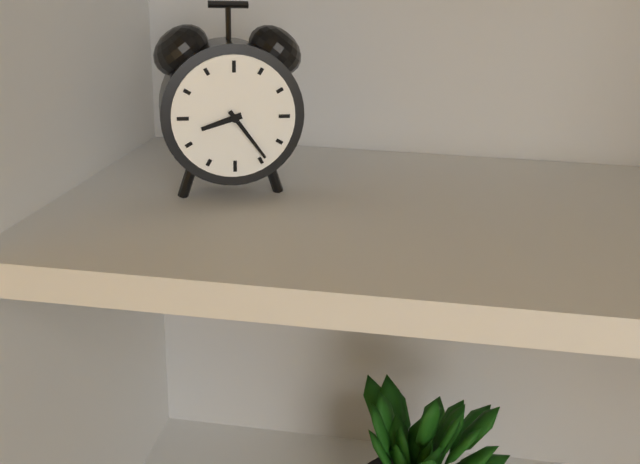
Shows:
8h24
